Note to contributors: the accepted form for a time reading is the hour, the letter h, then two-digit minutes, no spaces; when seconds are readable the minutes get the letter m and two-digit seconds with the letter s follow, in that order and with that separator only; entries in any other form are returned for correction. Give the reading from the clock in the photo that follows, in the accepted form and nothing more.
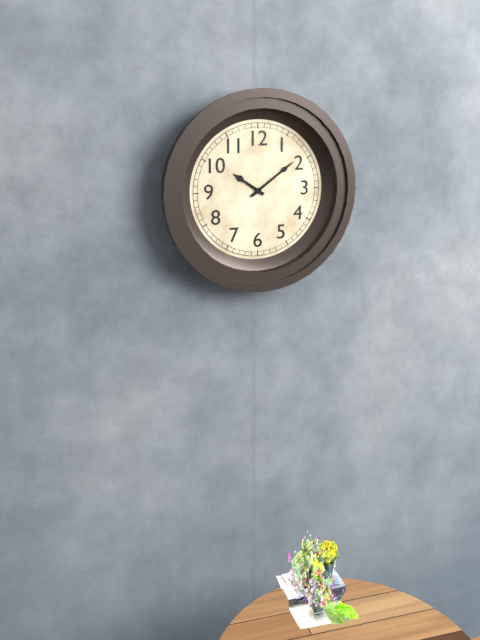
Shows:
10h09
